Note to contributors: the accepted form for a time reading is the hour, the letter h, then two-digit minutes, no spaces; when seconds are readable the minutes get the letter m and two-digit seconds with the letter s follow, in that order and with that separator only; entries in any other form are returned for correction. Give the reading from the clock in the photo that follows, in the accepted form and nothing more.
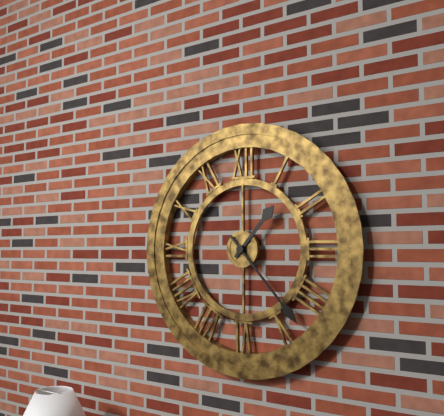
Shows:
1h23
